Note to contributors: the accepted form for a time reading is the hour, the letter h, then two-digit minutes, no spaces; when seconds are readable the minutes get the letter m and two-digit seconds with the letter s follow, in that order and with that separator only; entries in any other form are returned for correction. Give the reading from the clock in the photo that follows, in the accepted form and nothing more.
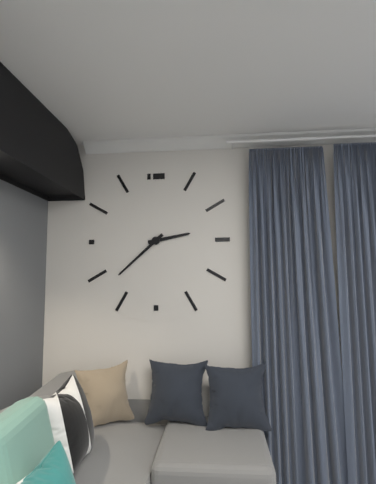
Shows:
2h38
